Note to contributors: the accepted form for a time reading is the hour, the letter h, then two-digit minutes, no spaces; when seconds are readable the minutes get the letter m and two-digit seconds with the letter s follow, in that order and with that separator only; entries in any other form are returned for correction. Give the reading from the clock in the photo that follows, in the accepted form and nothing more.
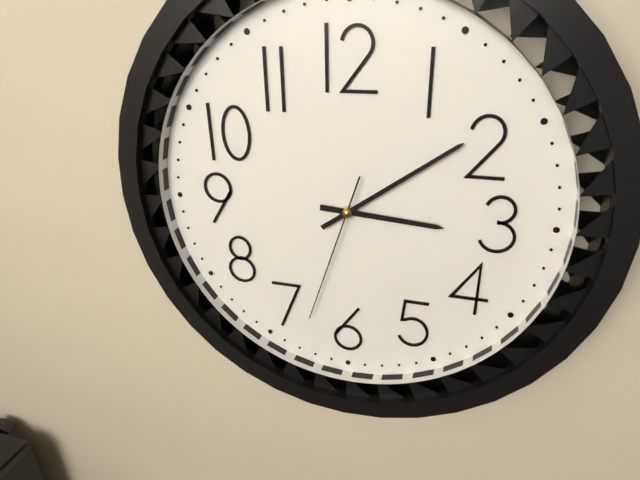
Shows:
3h09m33s
